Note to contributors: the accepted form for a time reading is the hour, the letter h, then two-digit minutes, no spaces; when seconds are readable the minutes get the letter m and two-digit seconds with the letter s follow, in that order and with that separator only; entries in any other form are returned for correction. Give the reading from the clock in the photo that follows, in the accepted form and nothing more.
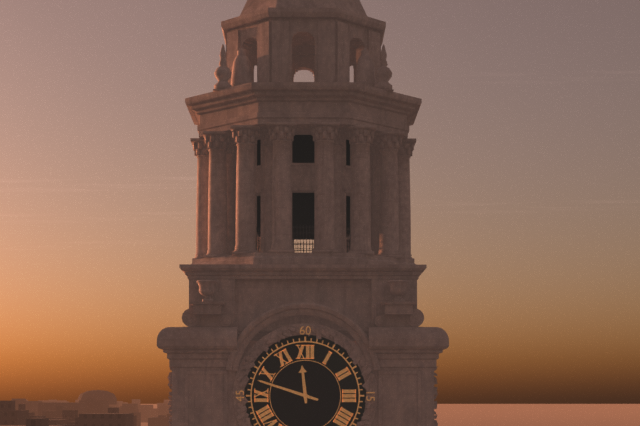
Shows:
11h48
